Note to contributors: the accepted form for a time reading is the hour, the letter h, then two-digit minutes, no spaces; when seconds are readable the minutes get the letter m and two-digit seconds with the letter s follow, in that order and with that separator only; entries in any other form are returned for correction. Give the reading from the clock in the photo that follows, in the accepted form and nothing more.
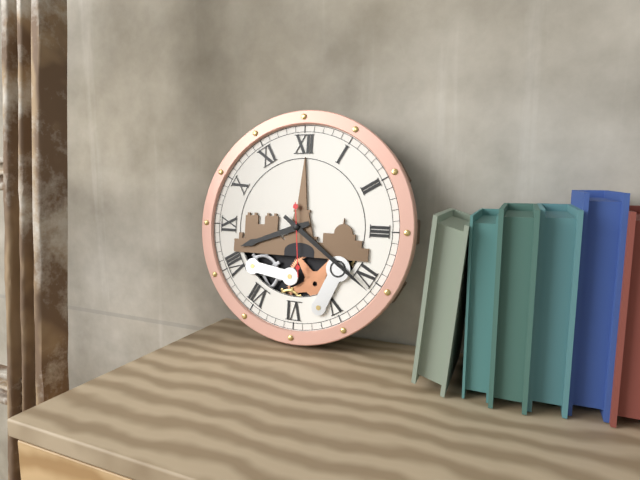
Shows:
8h21m29s
